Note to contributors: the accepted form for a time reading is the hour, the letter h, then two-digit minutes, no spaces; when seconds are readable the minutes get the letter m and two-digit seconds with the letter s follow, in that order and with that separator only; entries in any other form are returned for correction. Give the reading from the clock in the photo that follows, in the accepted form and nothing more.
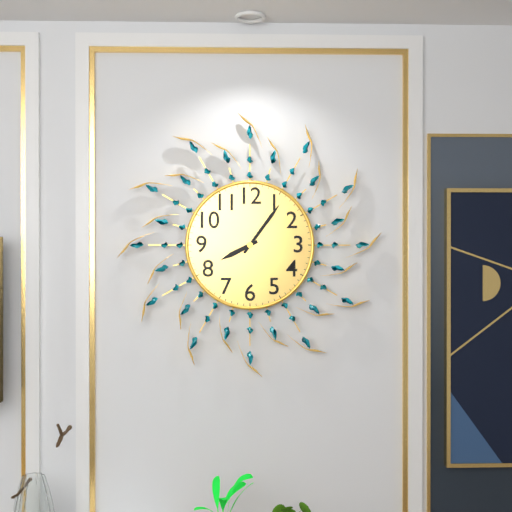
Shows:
8h06
